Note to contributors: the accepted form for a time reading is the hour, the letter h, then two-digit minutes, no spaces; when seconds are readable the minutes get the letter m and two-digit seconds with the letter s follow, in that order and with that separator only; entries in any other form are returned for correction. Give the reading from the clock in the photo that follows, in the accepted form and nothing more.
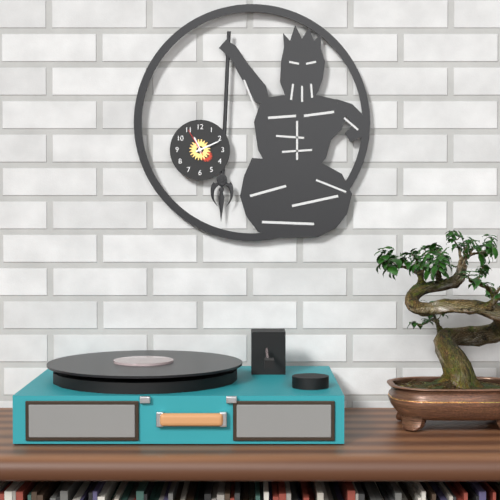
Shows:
11h11
